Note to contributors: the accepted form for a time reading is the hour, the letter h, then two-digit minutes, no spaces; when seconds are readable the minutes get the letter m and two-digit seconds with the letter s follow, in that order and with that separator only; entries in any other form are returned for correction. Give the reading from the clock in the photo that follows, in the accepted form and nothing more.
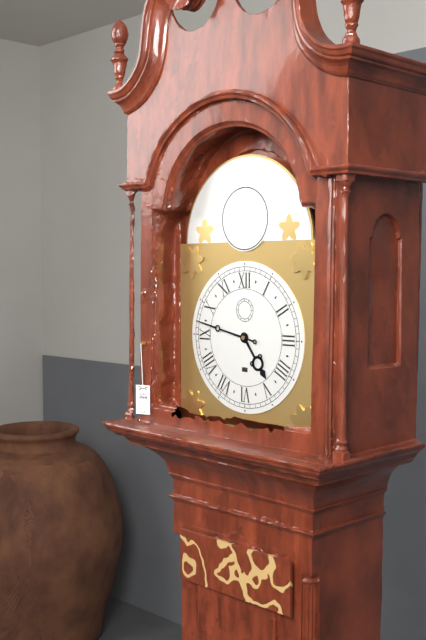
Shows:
4h47
